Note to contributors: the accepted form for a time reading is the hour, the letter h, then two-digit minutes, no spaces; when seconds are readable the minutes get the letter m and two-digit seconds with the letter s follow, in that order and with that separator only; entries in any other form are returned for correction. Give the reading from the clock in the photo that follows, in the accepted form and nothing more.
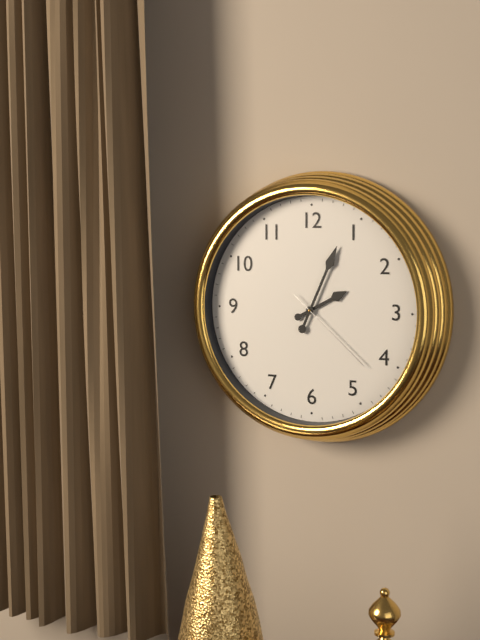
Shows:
2h04m22s
